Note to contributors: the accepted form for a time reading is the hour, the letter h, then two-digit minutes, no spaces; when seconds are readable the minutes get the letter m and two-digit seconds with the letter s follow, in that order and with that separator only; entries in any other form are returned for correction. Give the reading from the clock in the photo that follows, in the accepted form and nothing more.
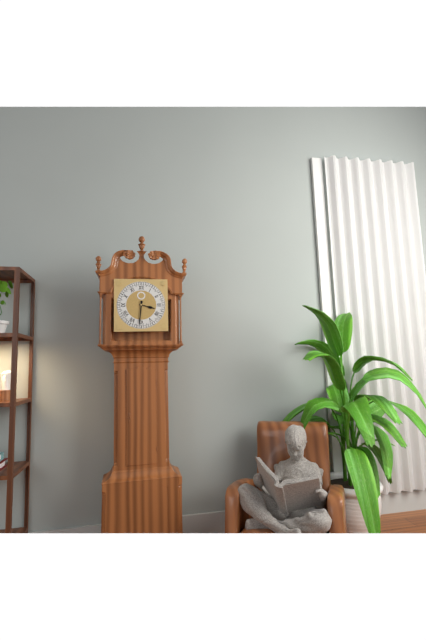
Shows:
3h31
